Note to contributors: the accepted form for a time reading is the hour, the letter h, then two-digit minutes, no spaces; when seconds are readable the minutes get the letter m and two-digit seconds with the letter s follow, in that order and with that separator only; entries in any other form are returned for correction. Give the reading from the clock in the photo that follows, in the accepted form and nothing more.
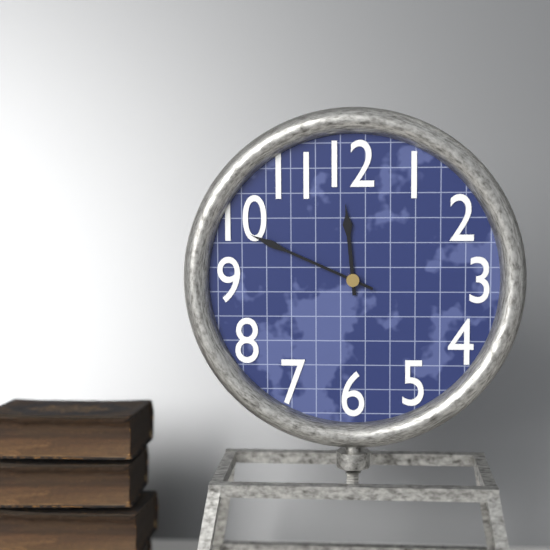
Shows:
11h49
